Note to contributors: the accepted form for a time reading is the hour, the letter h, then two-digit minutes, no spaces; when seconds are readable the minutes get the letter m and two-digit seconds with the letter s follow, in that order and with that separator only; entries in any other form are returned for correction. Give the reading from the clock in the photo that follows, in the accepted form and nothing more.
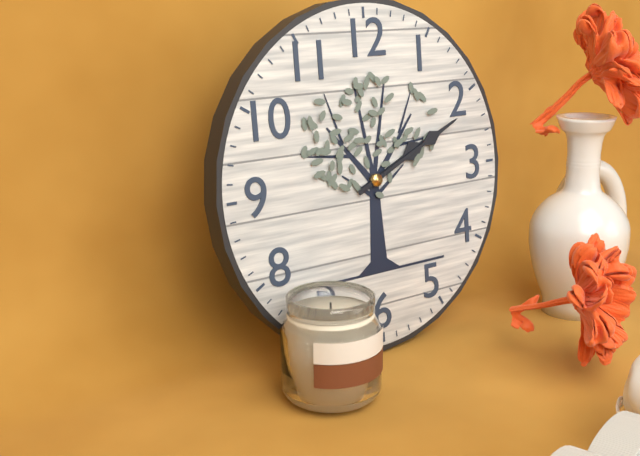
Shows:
2h11
